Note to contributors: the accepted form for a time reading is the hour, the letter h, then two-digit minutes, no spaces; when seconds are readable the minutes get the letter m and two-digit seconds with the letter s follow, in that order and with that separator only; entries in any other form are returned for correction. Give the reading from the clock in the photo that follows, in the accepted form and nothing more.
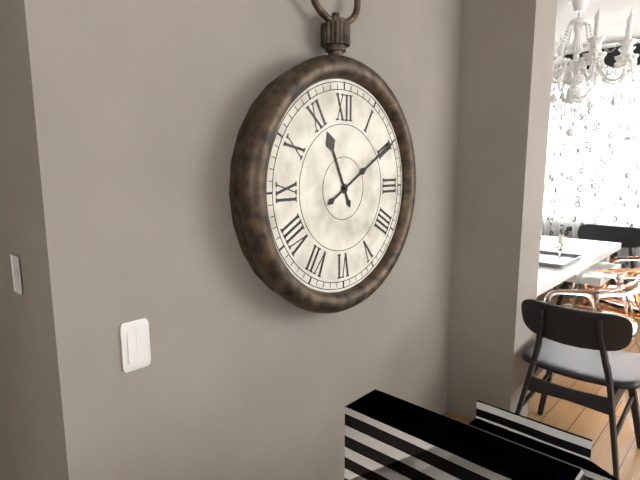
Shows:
11h10
